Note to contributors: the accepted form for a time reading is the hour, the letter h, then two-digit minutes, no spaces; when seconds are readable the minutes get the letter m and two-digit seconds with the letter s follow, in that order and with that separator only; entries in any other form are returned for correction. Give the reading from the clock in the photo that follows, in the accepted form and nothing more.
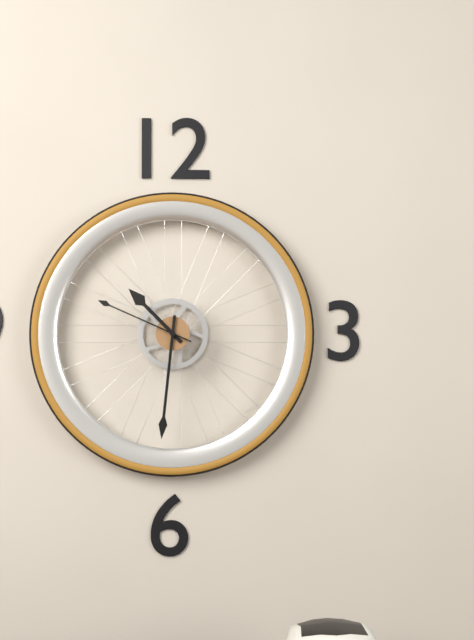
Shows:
10h31m49s
